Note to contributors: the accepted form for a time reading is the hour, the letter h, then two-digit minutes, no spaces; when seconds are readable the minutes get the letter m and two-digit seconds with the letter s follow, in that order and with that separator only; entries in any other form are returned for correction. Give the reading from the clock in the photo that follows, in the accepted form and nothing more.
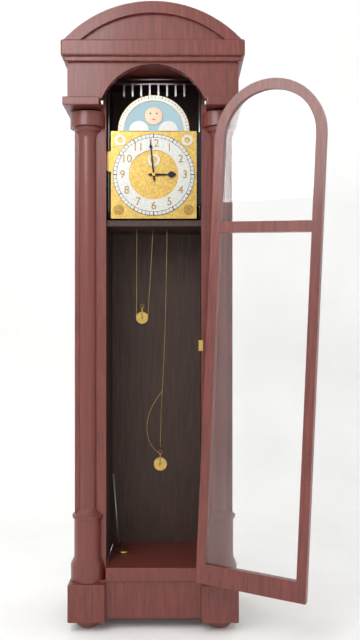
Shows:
2h59
